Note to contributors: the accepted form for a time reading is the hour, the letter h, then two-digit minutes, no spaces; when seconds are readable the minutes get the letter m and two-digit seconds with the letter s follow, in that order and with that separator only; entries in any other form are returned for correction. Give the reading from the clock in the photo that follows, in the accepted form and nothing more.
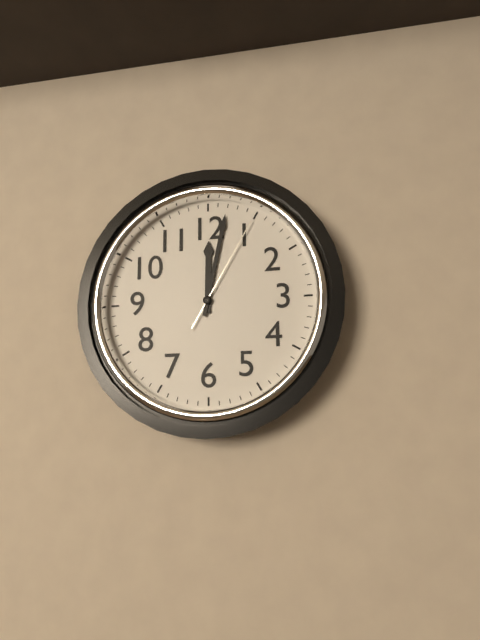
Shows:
12h02m05s
